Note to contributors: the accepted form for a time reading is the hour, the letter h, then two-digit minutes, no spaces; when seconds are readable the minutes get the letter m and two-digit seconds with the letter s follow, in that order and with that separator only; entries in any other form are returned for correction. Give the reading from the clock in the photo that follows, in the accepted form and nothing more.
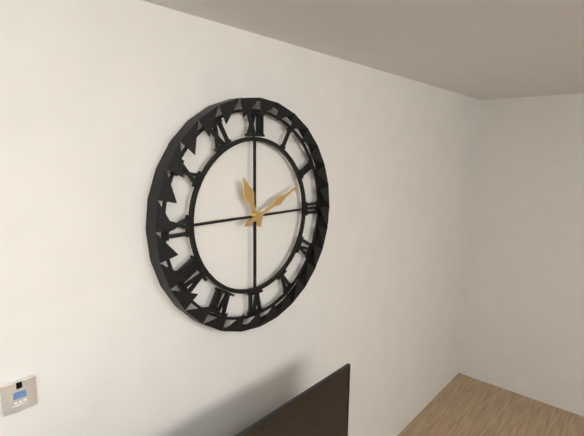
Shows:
11h11
